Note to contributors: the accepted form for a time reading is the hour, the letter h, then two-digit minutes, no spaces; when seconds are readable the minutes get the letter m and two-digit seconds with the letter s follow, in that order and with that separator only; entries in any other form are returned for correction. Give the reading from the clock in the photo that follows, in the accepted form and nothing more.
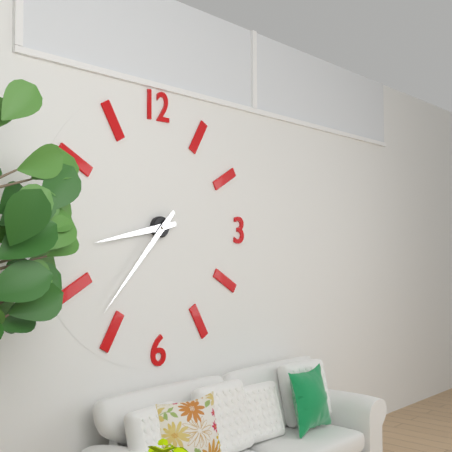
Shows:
8h37
